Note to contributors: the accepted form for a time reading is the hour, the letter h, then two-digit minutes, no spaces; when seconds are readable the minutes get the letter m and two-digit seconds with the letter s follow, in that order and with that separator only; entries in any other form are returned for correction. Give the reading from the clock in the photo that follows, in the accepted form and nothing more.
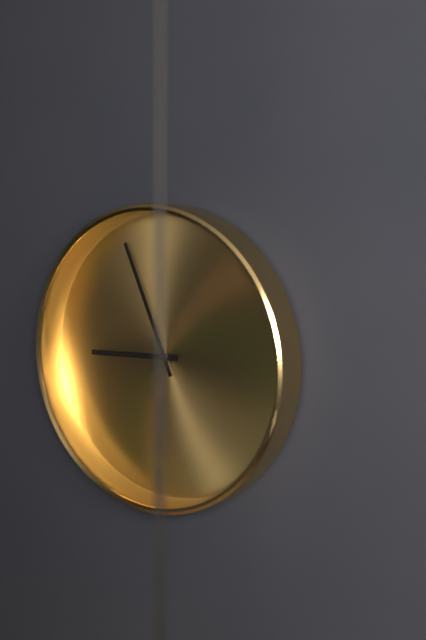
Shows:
8h56
